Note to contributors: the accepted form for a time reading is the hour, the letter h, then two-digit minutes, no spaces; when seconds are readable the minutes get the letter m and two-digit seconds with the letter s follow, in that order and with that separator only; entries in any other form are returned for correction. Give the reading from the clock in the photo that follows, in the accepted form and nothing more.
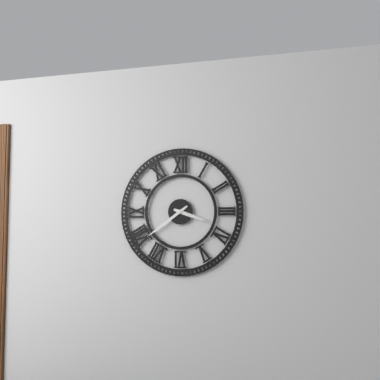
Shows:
3h39
